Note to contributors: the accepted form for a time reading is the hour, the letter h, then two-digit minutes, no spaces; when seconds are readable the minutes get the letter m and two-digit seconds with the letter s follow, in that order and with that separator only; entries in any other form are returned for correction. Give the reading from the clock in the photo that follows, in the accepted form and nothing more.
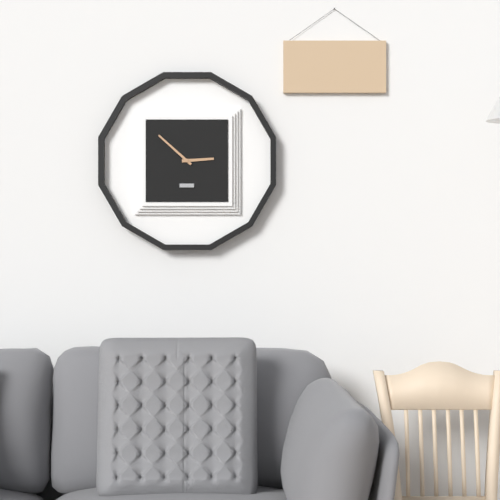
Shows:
2h52
